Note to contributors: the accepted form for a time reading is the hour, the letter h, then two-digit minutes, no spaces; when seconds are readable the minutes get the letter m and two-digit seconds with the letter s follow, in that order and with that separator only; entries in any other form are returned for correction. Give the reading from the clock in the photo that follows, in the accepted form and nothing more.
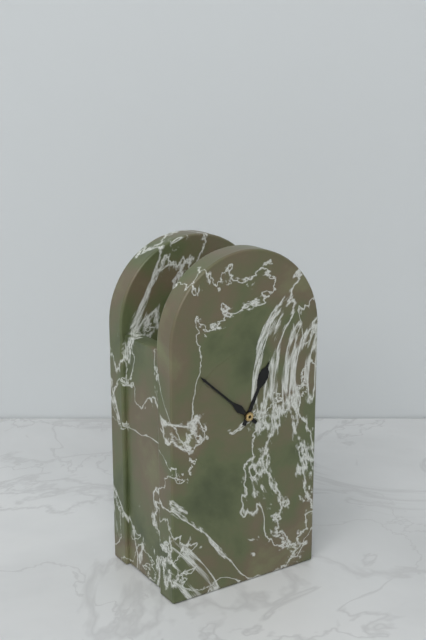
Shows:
12h52
